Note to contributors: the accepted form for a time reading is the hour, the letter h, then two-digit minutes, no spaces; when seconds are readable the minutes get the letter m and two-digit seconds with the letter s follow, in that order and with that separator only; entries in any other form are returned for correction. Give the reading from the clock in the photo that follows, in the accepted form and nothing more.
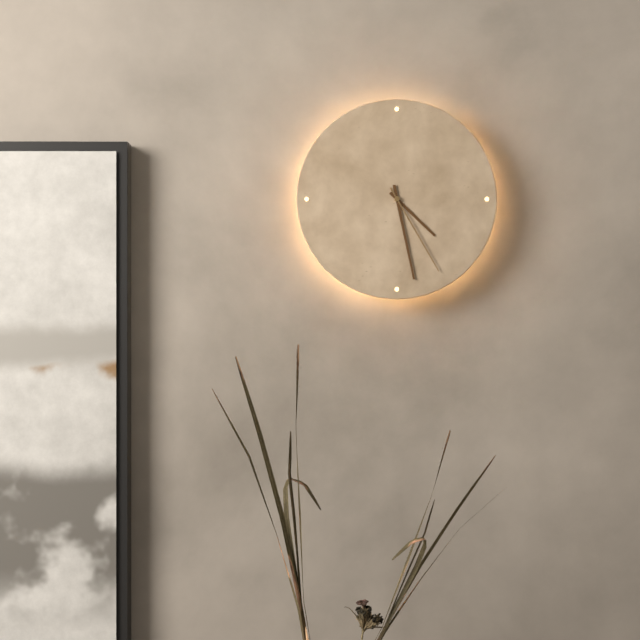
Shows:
4h28m25s
